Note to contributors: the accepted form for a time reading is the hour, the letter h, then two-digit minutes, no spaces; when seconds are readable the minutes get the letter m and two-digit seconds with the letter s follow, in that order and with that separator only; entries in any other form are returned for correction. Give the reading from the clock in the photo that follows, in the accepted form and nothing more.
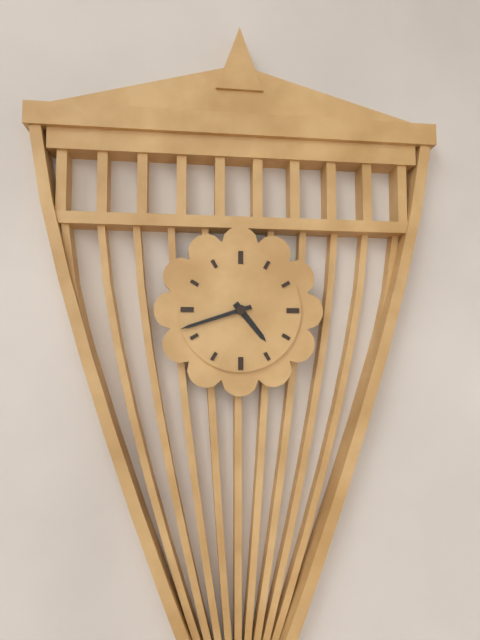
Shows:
4h42
